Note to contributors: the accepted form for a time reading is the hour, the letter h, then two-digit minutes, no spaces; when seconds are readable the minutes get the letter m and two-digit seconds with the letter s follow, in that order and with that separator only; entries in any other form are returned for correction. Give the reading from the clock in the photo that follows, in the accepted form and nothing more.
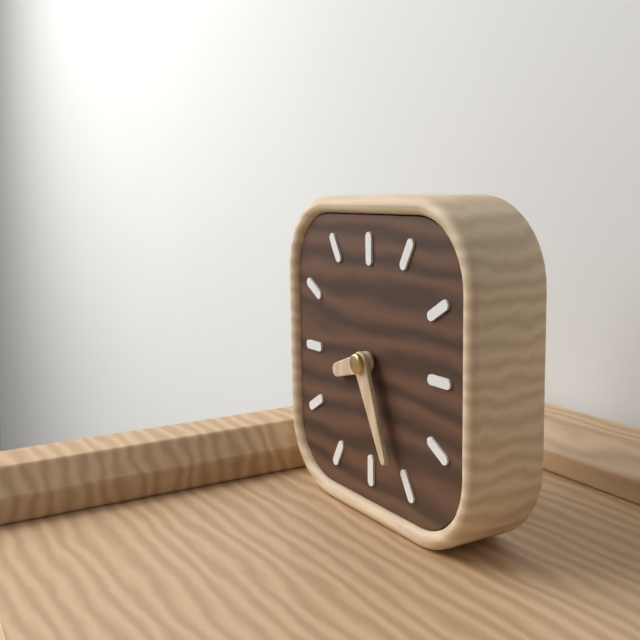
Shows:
8h26
